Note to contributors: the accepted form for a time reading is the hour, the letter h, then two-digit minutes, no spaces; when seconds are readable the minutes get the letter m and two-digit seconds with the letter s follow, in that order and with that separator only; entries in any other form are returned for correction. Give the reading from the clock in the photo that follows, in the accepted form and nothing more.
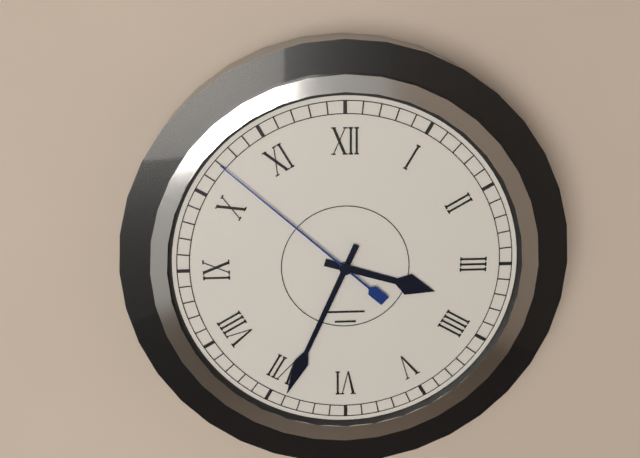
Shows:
3h34m52s
